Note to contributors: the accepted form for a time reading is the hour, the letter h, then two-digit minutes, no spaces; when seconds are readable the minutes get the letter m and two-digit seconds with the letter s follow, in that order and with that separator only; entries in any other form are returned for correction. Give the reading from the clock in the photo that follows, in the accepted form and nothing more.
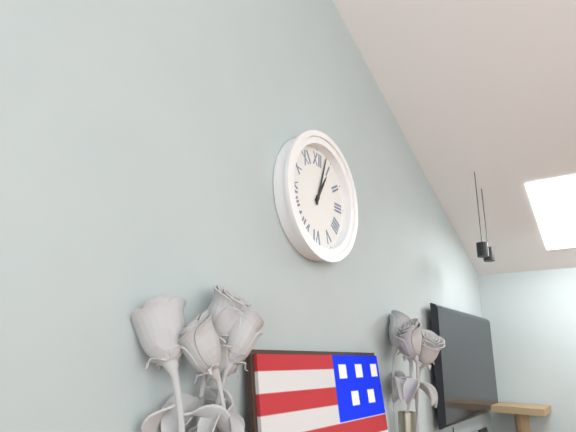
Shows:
1h03
